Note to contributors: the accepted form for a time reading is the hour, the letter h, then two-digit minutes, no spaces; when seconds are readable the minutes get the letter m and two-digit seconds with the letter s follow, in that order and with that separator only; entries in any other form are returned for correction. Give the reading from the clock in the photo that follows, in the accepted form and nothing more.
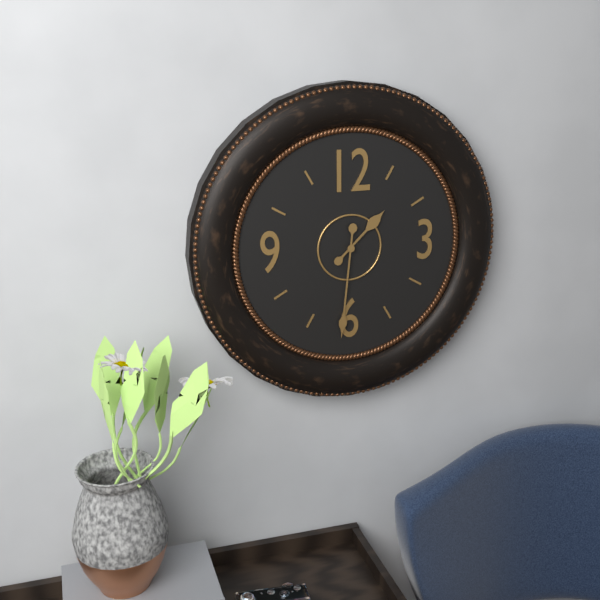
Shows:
1h31
